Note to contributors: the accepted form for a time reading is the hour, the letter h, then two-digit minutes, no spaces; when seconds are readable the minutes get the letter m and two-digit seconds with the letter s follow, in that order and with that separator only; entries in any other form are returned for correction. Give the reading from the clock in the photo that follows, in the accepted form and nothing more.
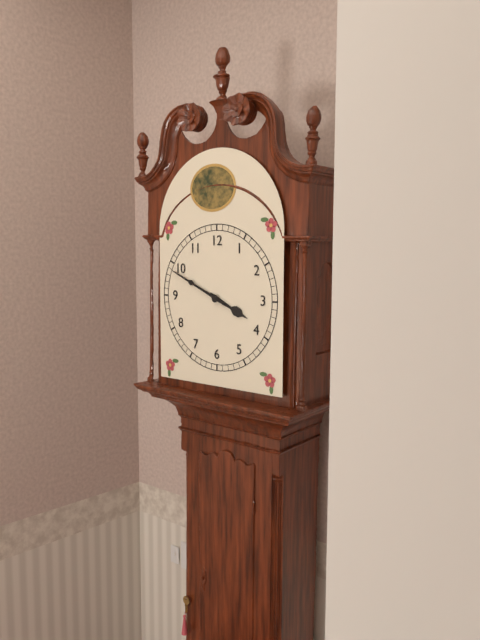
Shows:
3h49
